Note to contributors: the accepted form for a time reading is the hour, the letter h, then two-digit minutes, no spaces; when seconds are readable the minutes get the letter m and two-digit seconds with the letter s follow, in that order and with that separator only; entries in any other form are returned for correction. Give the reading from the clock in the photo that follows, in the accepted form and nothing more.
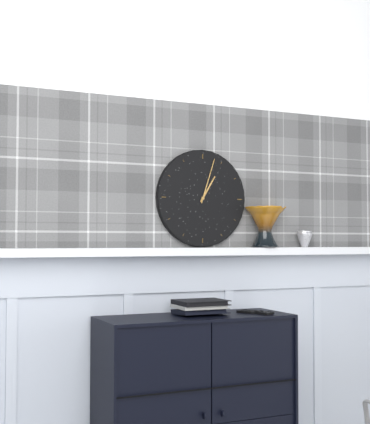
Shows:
1h03
